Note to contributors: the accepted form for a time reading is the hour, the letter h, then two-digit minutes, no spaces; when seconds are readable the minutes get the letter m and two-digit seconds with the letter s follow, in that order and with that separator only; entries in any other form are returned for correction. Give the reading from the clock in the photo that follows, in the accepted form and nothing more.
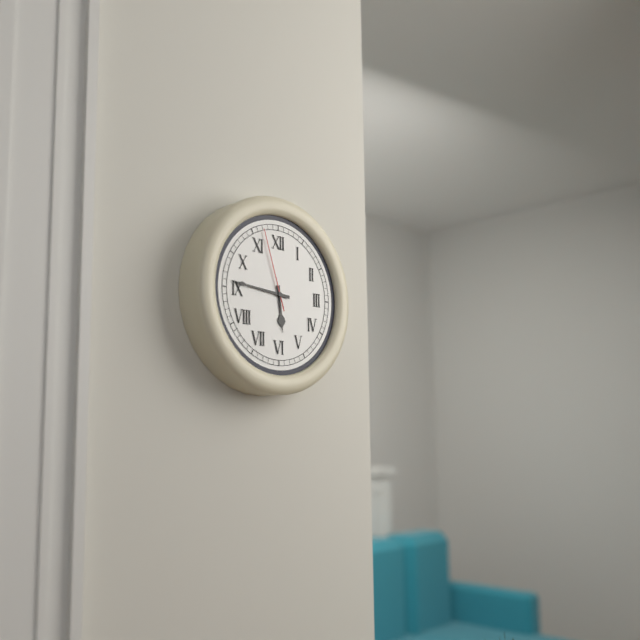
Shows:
5h46m57s
